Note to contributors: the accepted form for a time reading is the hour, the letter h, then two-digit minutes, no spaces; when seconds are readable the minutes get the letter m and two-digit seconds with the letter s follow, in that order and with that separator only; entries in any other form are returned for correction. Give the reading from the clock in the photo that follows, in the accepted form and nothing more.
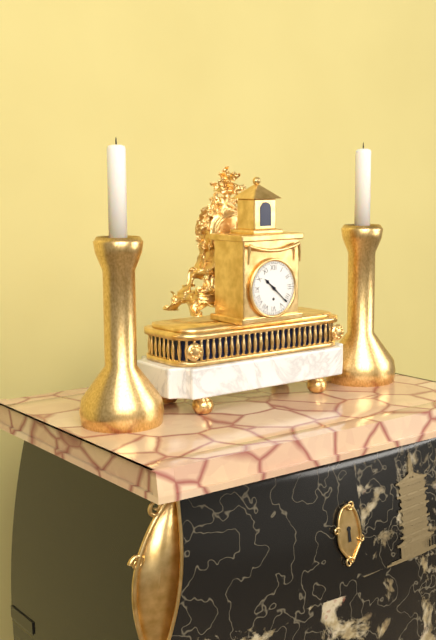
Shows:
10h22
